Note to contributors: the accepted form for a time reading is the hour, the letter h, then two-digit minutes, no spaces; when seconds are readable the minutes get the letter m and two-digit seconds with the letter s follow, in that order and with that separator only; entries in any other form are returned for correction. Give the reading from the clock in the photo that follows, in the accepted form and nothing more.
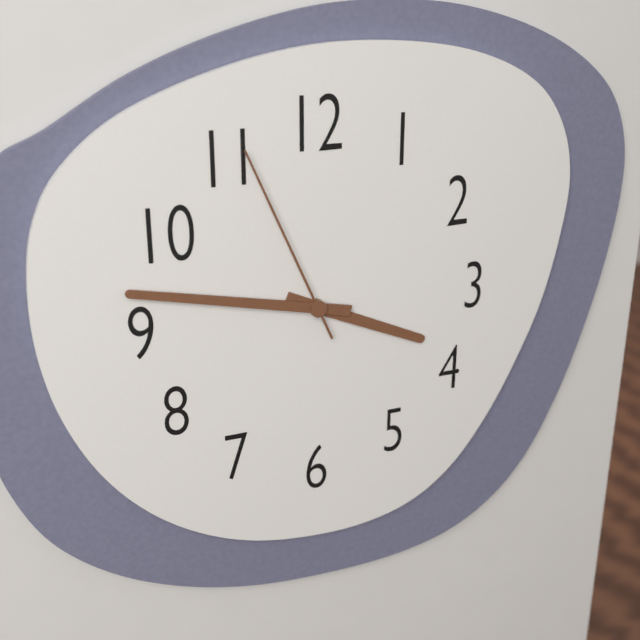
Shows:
3h47m56s
